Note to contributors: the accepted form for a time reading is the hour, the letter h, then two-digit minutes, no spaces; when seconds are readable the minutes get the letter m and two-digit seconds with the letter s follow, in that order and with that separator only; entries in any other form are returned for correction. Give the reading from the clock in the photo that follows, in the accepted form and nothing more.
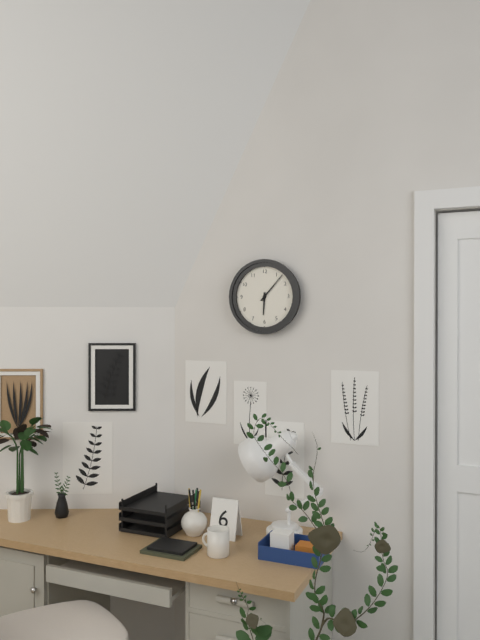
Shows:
6h07
